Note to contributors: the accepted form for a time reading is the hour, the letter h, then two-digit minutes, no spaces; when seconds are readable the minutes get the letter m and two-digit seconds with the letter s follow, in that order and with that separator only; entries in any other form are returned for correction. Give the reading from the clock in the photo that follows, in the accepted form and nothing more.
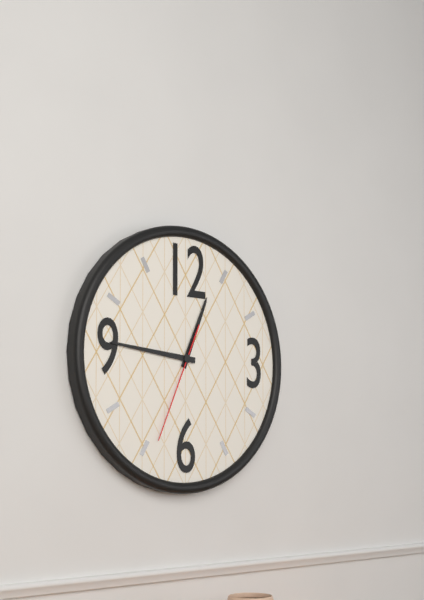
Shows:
12h46m34s
